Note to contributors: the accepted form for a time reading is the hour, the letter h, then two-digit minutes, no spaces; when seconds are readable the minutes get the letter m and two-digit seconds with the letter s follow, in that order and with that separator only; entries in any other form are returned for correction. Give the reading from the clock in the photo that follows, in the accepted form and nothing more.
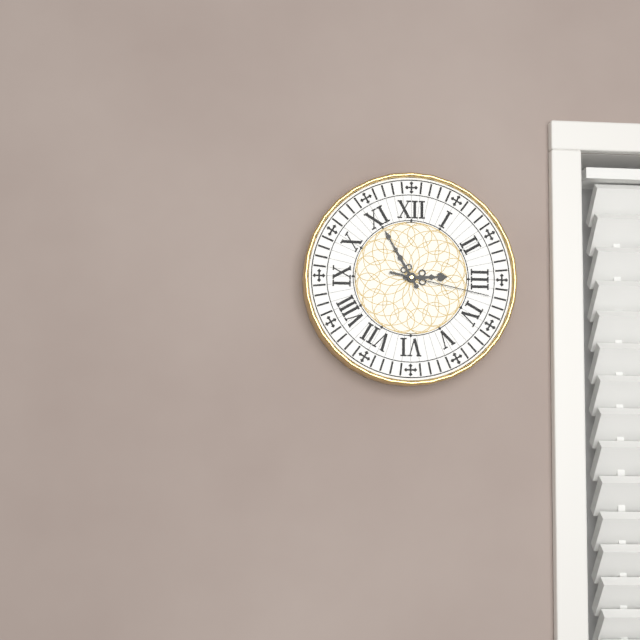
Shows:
2h55m17s
